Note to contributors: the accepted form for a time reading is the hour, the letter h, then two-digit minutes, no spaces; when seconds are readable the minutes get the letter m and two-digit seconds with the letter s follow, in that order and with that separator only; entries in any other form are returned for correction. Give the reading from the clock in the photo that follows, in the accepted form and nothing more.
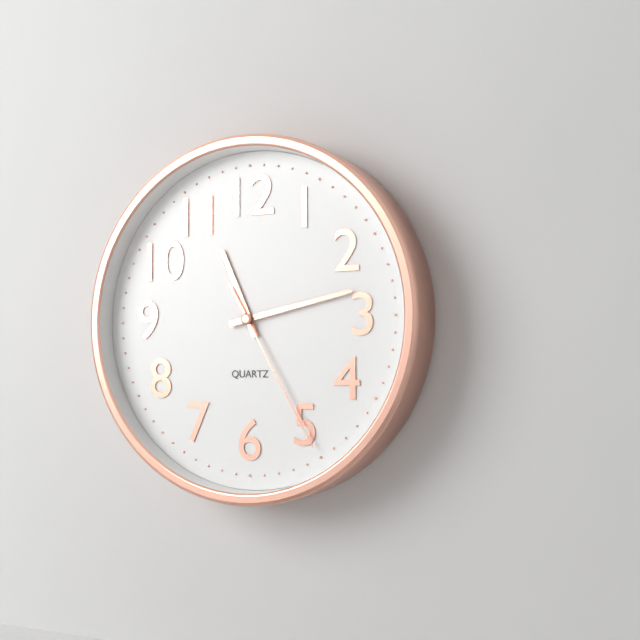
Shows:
11h13m25s
